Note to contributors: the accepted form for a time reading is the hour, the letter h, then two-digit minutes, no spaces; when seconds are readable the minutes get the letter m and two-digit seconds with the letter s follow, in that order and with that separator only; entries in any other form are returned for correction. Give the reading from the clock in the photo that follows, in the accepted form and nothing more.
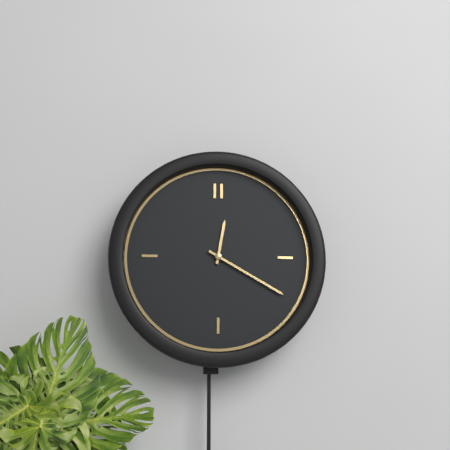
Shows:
12h20
